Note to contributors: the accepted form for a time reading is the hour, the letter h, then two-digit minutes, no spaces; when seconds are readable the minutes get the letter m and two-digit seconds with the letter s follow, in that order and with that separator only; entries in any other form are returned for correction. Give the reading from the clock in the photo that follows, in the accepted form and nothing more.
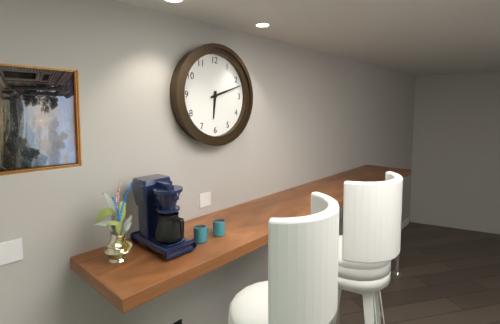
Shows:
6h12
